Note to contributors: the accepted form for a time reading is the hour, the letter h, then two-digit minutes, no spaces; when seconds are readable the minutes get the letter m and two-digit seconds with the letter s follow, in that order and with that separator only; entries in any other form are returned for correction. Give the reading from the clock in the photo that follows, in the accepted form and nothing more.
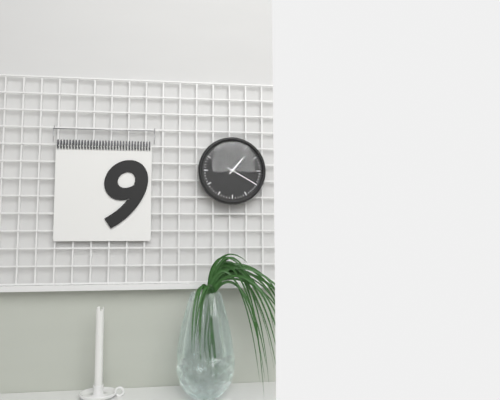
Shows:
1h20
